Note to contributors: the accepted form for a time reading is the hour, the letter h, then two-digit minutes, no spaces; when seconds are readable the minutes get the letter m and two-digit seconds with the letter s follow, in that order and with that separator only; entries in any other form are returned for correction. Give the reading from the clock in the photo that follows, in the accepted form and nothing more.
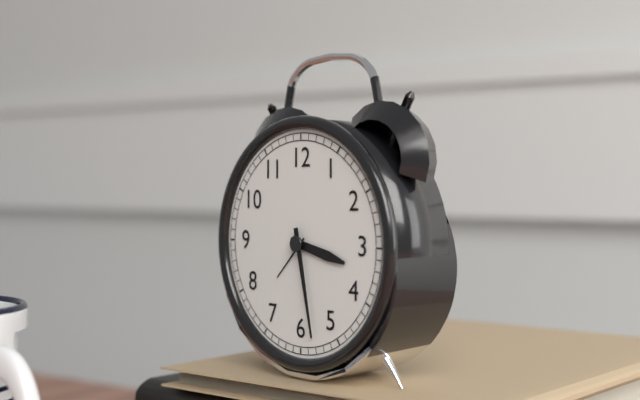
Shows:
3h28
